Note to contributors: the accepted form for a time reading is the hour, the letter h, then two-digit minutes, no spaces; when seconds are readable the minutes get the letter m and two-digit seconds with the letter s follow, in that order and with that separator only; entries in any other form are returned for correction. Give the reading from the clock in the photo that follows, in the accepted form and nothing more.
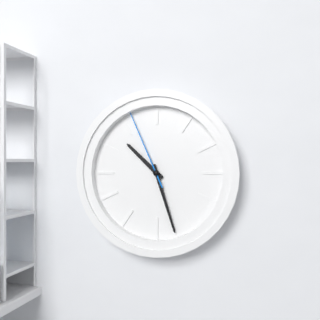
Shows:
10h27m56s
